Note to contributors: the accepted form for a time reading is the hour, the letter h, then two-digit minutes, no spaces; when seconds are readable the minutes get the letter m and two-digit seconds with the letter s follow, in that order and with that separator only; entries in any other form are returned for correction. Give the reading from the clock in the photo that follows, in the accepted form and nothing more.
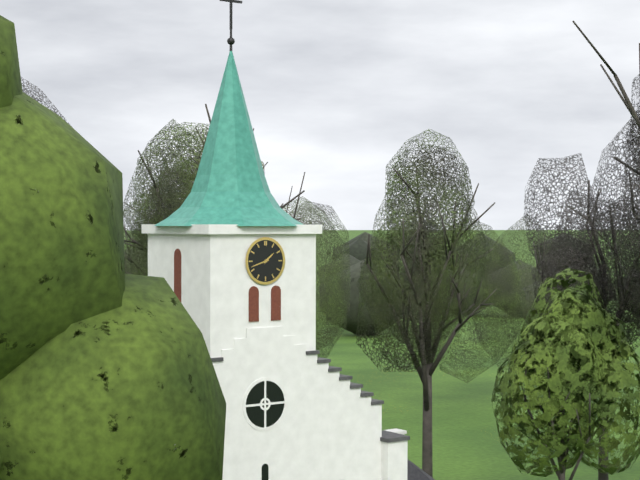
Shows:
1h42
